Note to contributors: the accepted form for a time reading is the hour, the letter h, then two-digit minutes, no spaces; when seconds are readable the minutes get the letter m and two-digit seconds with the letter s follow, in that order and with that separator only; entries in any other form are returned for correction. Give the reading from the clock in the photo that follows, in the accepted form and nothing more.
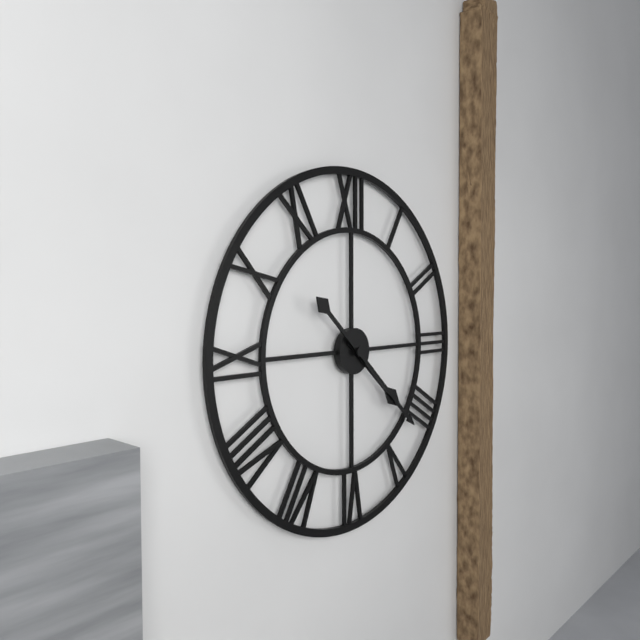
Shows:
4h22
